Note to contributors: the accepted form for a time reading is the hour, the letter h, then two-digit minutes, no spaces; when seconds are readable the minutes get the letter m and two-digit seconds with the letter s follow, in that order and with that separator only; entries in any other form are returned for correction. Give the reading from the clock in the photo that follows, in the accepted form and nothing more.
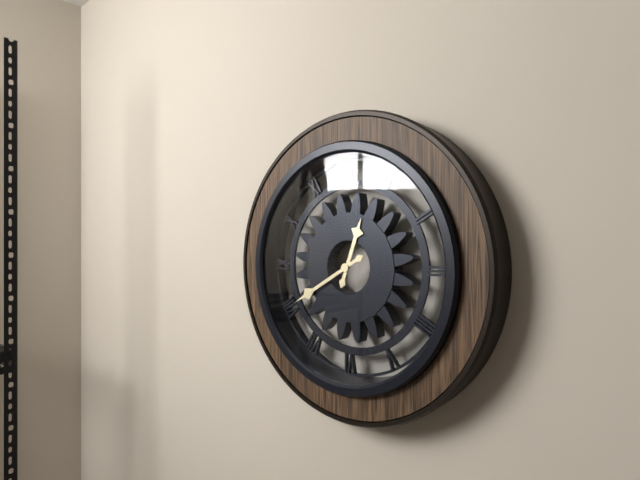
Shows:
12h40
